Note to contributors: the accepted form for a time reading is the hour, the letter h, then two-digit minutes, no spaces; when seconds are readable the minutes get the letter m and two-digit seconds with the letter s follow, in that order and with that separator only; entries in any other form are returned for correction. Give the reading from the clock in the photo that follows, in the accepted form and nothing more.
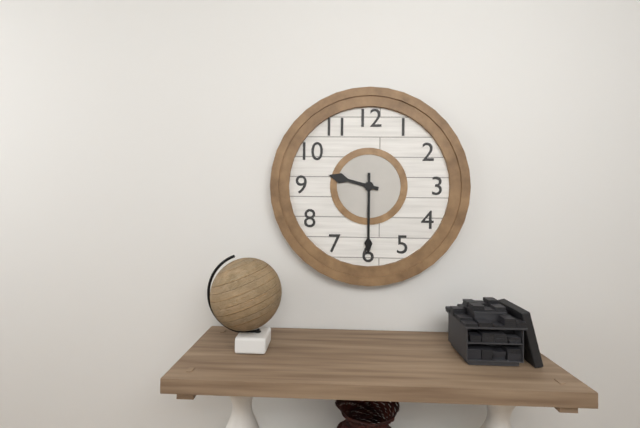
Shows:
9h30
